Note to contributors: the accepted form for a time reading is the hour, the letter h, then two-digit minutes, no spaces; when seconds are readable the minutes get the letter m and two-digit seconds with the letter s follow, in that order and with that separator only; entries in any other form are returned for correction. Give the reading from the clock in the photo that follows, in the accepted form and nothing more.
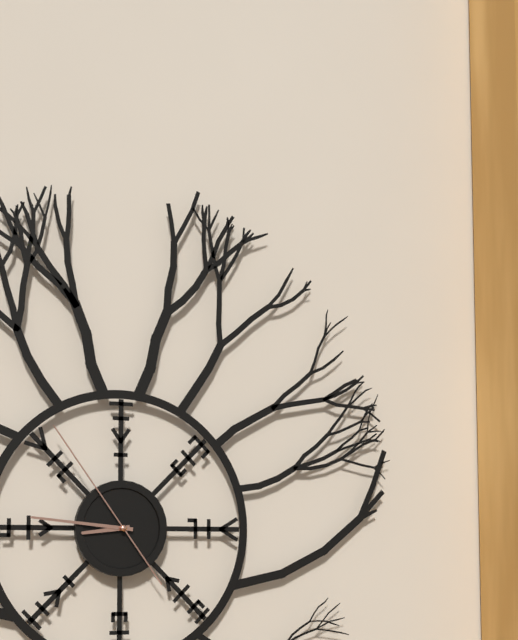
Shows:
8h46m54s
